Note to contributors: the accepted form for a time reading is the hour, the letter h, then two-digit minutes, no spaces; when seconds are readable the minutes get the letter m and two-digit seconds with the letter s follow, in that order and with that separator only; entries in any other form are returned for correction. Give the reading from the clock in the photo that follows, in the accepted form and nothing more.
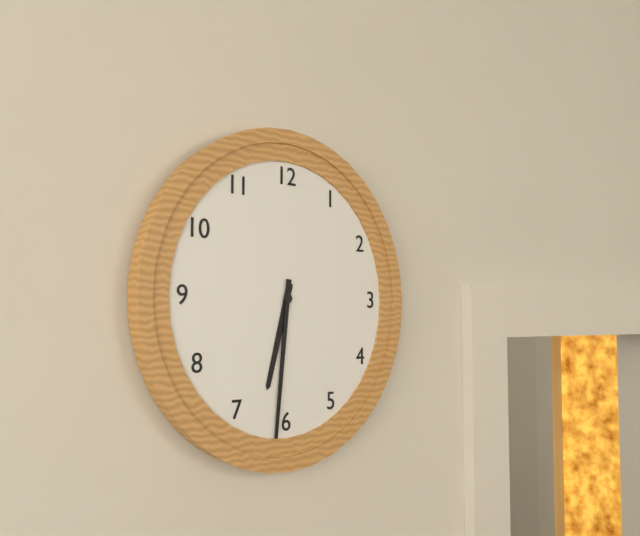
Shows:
6h31
